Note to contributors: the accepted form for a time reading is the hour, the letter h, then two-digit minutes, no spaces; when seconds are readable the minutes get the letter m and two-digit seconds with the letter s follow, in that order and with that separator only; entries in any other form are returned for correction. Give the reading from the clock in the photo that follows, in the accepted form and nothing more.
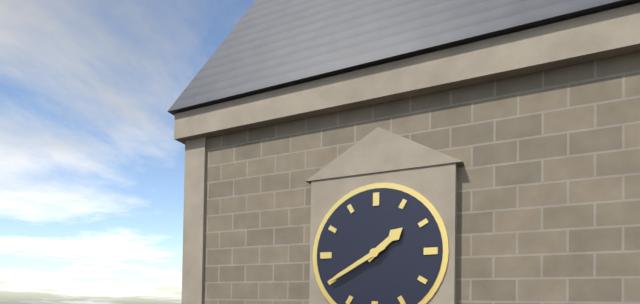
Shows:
1h40
